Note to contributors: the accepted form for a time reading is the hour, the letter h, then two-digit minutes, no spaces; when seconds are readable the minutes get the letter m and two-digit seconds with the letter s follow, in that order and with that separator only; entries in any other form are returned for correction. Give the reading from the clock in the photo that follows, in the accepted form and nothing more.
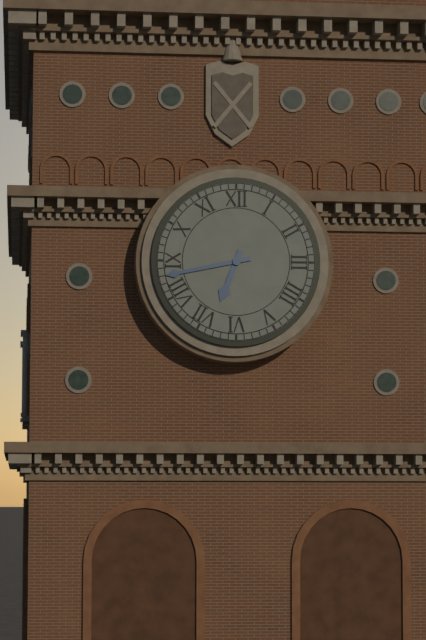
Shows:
6h43
